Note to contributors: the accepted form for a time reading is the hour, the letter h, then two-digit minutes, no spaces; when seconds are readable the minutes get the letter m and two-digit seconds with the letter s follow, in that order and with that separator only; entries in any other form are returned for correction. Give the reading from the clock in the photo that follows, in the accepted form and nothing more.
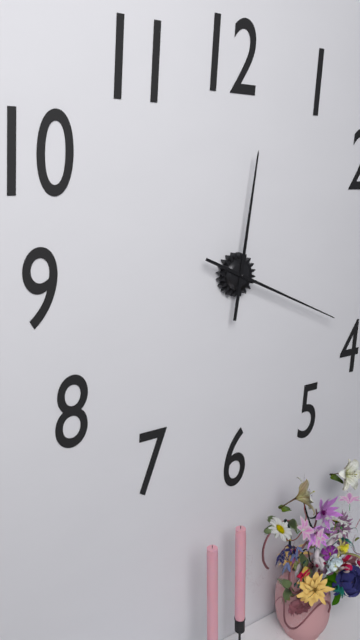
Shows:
12h19
